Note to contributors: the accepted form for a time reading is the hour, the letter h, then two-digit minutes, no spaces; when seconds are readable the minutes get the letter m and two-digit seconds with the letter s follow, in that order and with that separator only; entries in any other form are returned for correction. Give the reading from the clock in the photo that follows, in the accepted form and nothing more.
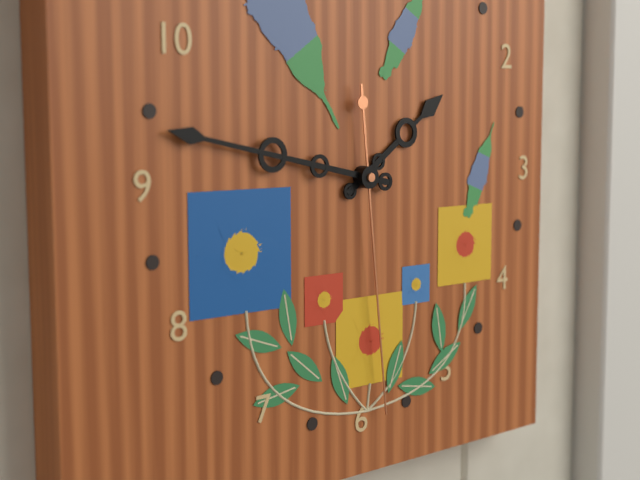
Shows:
1h47m29s
